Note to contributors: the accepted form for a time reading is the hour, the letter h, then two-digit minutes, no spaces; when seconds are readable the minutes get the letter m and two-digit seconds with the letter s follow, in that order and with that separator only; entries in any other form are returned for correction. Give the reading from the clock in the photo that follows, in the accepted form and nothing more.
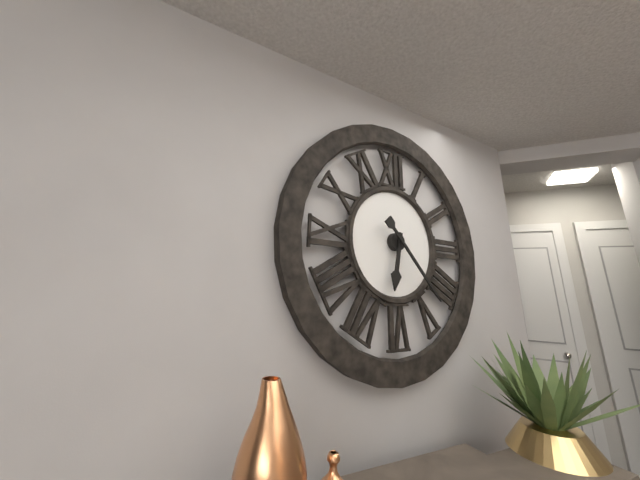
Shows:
6h23
